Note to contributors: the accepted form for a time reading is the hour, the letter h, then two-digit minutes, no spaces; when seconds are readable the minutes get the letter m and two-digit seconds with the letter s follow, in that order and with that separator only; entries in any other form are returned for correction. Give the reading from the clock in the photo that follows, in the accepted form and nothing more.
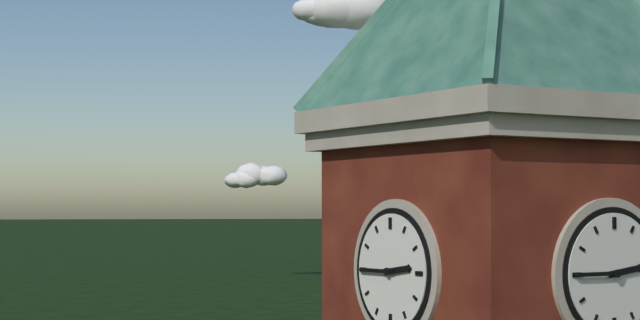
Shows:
2h45
